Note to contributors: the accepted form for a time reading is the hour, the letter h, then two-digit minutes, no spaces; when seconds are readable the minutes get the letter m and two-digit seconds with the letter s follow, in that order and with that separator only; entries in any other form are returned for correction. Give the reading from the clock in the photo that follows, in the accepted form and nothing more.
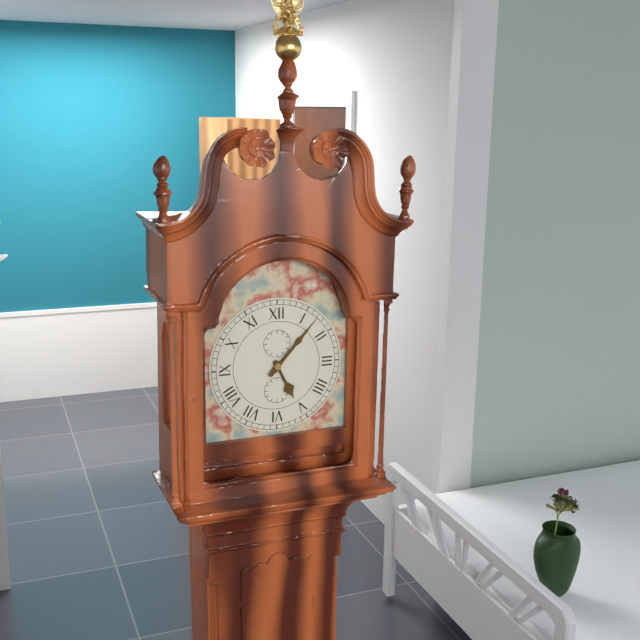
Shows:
5h07
